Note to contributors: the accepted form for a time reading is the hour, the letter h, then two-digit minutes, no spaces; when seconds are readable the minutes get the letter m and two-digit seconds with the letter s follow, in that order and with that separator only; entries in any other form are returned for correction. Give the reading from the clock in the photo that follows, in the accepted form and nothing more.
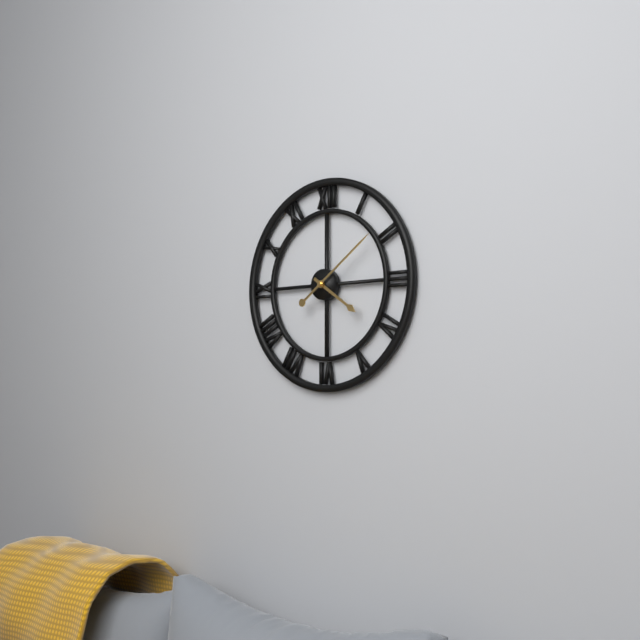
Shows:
4h09
